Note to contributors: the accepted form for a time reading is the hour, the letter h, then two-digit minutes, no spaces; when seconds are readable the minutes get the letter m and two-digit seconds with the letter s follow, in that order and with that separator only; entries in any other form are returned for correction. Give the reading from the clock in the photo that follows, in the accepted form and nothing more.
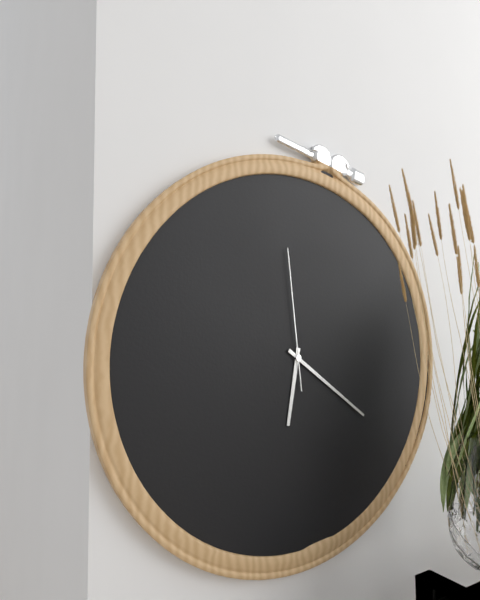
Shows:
6h21m59s
